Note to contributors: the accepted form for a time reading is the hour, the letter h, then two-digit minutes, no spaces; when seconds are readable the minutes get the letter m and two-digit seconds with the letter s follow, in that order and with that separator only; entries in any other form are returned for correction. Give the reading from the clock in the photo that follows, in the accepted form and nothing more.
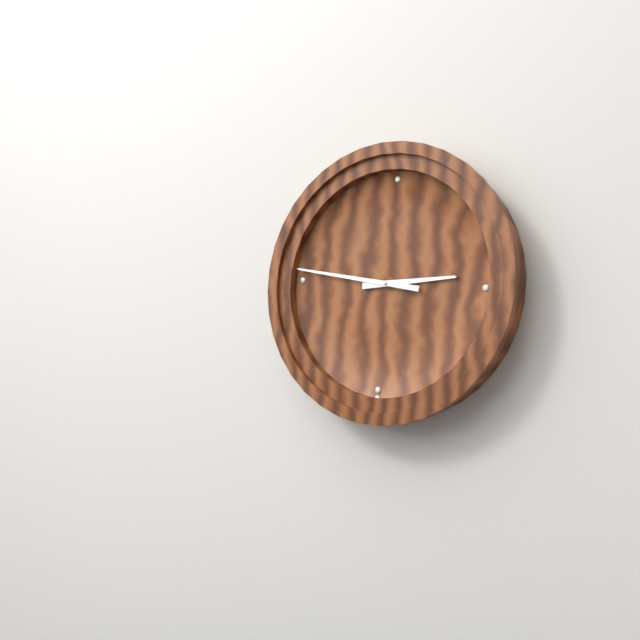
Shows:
2h46
